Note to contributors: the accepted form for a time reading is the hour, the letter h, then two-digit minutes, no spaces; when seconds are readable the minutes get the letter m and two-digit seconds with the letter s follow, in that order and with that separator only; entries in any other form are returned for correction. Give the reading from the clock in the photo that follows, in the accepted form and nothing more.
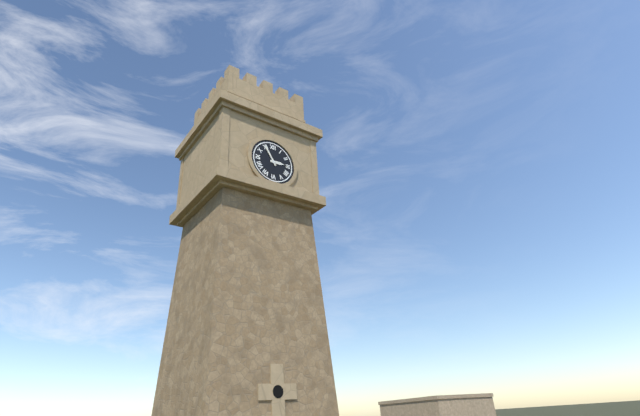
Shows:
2h55
